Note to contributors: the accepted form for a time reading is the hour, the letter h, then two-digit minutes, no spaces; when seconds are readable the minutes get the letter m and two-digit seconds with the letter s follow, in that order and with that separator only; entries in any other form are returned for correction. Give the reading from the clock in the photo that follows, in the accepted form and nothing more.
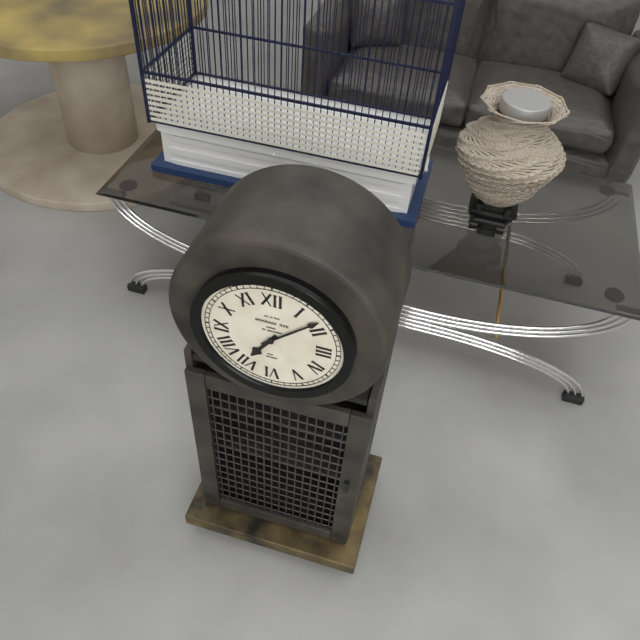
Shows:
7h08
